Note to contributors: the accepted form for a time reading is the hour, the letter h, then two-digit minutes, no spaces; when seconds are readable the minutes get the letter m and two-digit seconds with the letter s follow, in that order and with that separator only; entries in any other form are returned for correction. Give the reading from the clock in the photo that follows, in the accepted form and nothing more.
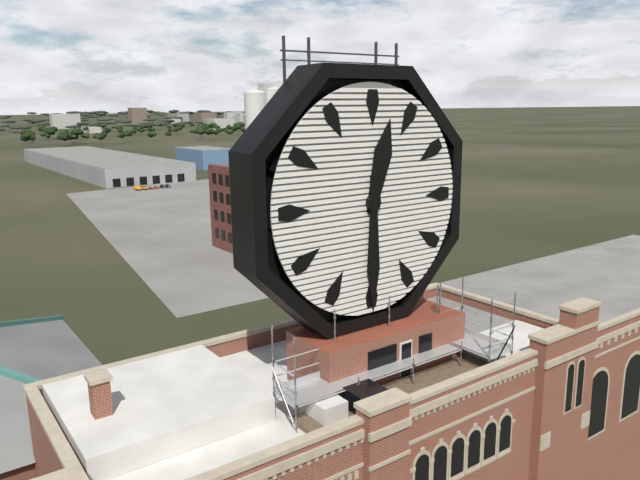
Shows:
12h30
